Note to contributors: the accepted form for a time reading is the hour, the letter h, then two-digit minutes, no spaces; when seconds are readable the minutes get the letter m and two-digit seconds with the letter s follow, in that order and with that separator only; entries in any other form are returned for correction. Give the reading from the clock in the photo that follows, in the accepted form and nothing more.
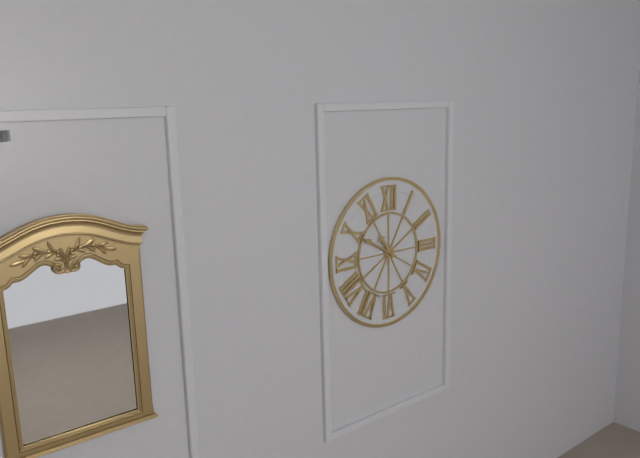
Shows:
10h50
